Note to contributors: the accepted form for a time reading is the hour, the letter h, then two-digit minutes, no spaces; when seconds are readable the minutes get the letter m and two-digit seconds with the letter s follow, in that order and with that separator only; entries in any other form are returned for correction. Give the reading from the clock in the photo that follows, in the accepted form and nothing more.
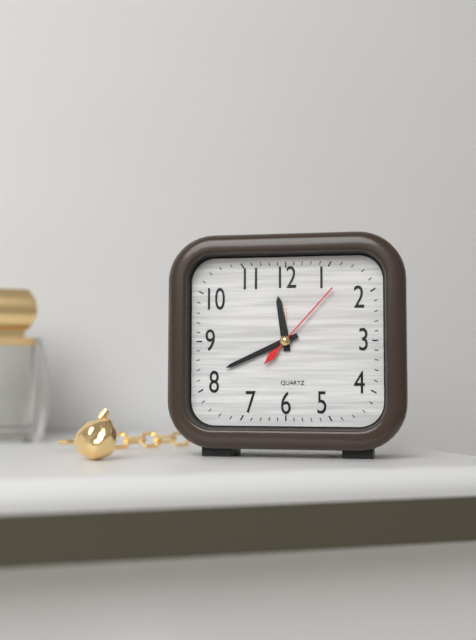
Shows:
11h41m07s
